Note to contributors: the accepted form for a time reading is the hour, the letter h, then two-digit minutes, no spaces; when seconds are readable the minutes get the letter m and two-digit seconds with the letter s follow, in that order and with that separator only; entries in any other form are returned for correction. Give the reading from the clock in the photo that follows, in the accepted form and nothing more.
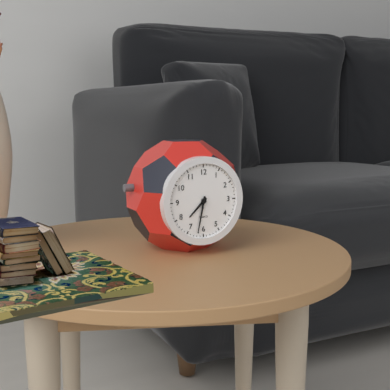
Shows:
7h32
